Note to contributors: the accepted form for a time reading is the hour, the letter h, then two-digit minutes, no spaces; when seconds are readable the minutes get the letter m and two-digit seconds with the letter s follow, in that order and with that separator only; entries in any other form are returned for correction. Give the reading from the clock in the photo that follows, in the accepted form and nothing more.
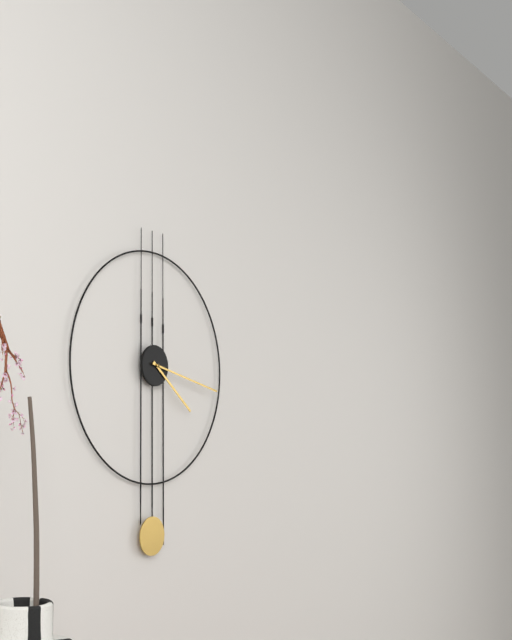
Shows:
4h17
